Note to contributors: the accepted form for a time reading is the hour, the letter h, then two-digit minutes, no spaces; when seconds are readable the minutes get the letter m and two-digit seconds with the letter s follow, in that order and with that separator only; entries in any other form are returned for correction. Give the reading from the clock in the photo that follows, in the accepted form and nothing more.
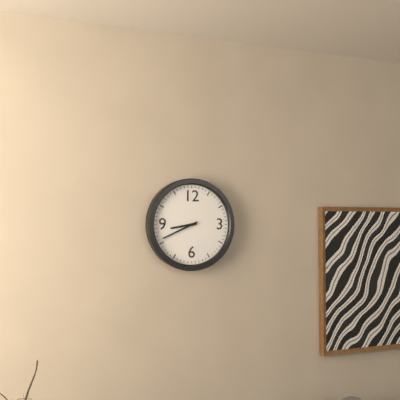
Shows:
8h41
